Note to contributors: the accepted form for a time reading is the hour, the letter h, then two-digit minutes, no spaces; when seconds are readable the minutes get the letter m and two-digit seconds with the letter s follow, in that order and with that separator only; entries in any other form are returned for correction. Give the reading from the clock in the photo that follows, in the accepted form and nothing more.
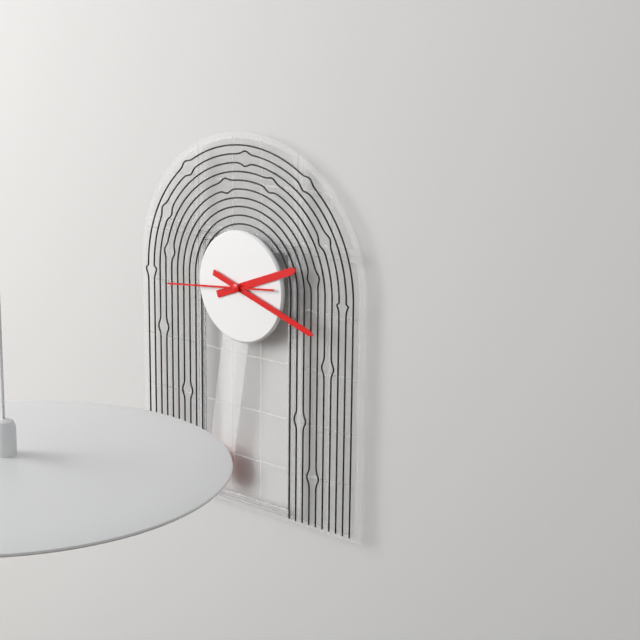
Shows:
2h18m44s
